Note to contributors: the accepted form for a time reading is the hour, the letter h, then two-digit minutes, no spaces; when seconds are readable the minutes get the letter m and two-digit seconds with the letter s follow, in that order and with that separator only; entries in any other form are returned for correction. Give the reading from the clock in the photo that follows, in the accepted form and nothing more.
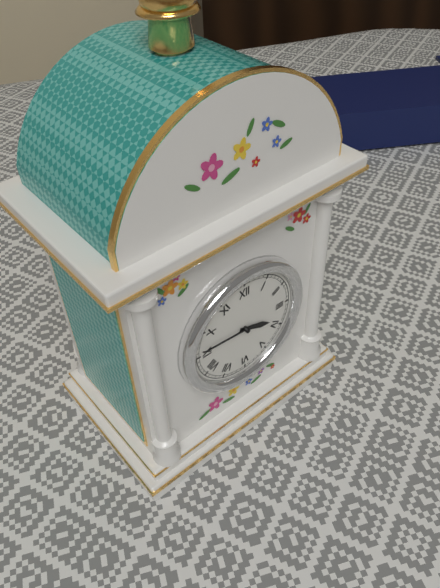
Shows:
3h46
